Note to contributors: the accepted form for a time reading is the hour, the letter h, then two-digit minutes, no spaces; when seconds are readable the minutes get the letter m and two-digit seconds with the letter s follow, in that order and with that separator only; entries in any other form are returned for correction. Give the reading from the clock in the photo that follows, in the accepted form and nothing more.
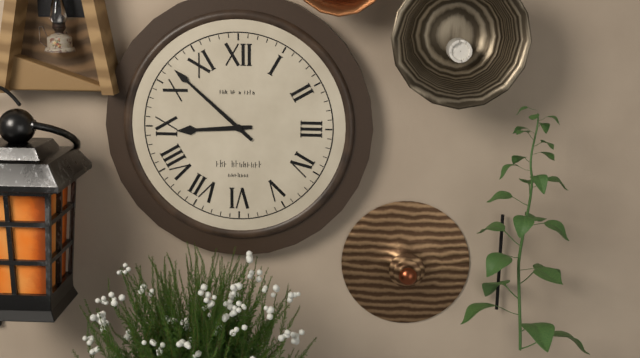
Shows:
8h52
